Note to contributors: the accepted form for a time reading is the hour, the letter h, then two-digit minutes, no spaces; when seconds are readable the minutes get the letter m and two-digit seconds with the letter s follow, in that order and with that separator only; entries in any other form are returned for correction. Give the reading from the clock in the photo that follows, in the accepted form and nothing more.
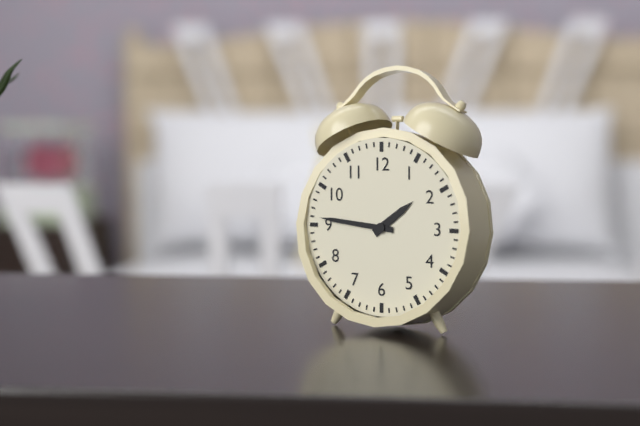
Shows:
1h46
